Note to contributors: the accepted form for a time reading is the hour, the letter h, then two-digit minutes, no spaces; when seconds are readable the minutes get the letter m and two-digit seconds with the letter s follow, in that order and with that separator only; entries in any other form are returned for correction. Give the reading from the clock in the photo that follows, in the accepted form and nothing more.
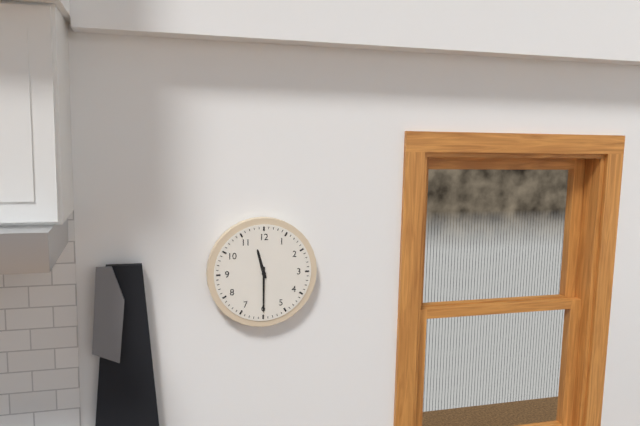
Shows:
11h30
